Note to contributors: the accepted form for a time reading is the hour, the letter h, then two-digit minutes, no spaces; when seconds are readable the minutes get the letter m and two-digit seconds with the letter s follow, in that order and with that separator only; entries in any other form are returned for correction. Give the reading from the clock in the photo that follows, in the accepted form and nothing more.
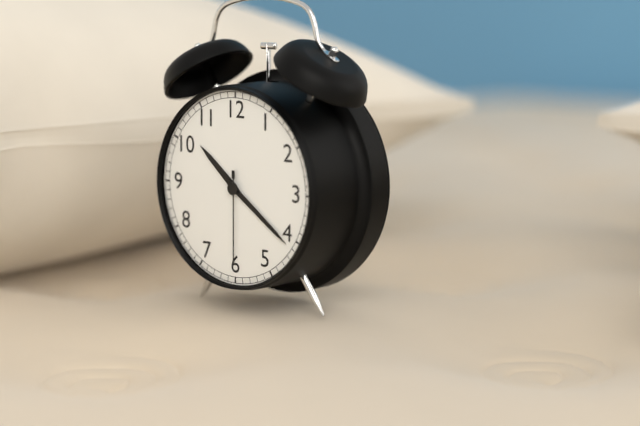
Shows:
10h21m30s
